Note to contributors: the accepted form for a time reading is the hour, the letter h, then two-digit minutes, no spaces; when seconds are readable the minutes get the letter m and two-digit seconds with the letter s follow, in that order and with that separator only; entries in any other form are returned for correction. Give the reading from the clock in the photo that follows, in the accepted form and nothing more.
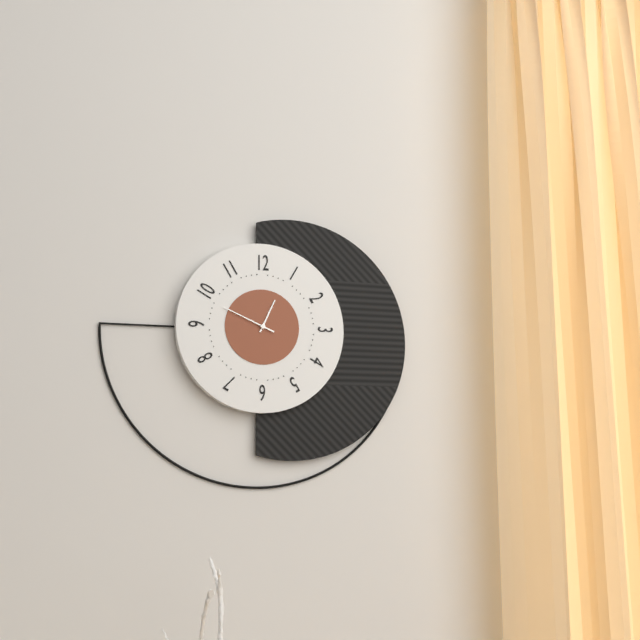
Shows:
12h49
